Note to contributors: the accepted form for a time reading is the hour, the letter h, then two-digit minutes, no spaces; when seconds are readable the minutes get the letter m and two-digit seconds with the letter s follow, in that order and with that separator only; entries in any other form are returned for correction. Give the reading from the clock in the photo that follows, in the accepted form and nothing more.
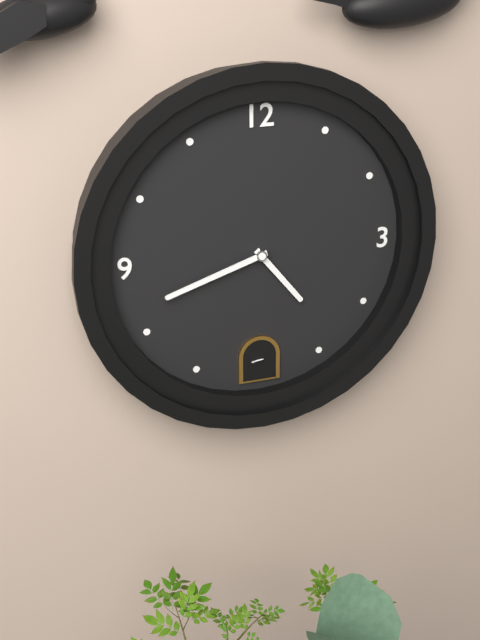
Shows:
4h42
